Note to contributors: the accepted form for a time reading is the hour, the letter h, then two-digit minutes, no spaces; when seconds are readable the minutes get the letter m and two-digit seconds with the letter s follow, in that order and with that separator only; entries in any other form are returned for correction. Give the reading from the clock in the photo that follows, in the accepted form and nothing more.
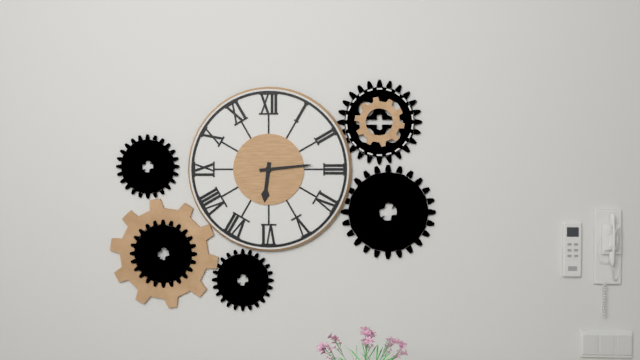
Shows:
6h14
